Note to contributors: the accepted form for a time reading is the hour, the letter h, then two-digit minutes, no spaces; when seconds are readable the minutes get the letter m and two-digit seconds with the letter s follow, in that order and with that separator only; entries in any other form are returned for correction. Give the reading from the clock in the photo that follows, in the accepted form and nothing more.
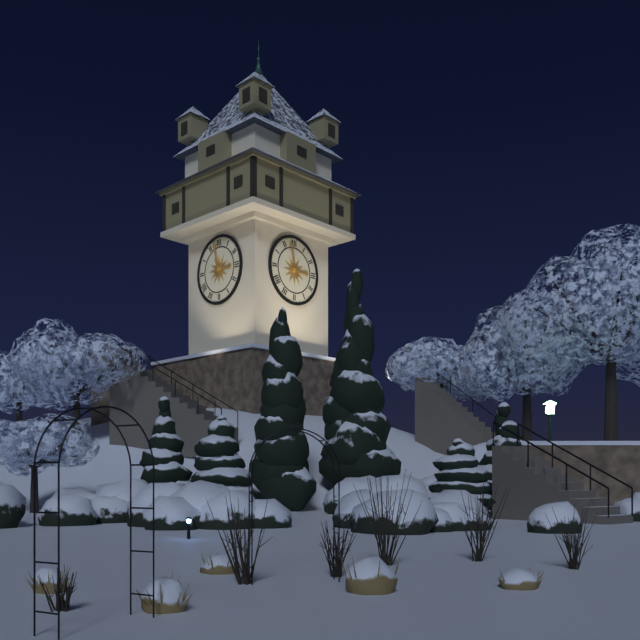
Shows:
2h58
